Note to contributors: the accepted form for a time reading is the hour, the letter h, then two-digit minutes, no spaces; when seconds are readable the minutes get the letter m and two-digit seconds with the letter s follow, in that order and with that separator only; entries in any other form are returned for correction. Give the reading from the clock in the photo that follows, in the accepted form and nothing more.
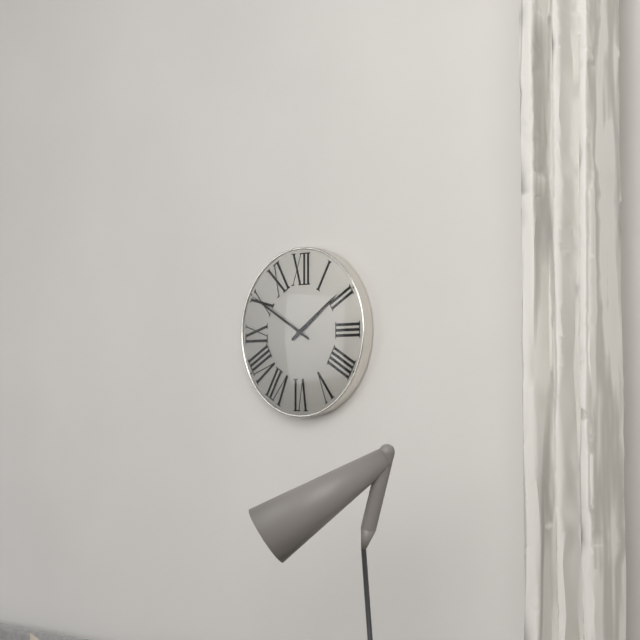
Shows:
1h50
